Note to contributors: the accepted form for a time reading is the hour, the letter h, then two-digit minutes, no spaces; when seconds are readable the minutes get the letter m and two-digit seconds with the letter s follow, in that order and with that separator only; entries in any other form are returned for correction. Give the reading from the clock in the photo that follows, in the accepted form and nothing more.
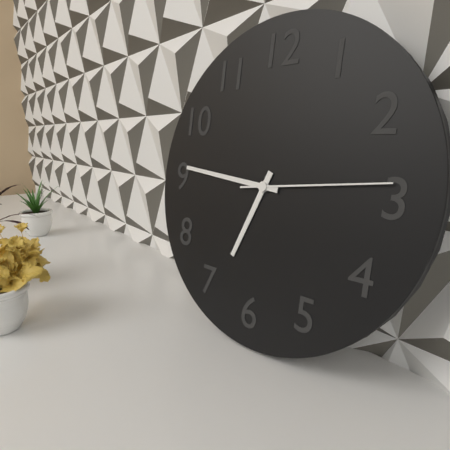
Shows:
6h46m14s
